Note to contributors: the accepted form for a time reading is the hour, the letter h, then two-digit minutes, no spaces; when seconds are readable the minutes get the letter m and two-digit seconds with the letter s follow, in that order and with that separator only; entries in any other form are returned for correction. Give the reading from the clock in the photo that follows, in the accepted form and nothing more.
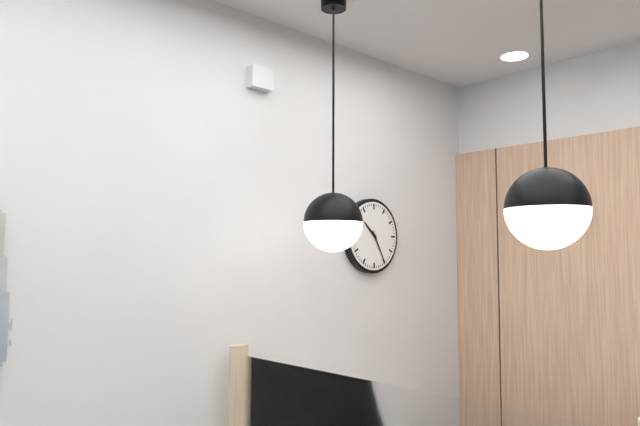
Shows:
10h25
